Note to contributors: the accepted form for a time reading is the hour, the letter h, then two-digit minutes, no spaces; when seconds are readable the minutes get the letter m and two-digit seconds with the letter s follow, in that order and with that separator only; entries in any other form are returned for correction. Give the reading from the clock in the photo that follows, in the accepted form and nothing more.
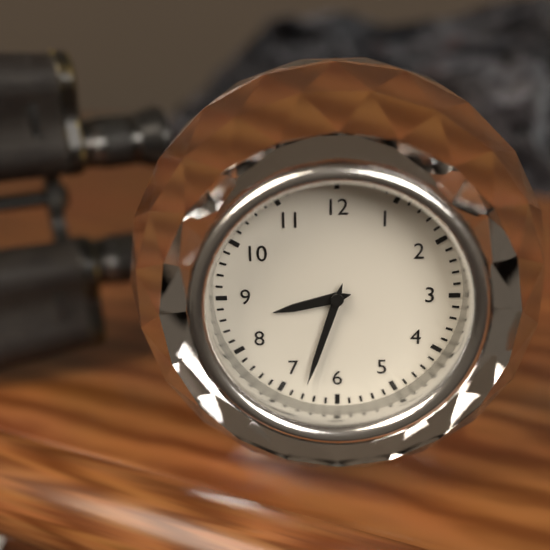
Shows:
8h33
